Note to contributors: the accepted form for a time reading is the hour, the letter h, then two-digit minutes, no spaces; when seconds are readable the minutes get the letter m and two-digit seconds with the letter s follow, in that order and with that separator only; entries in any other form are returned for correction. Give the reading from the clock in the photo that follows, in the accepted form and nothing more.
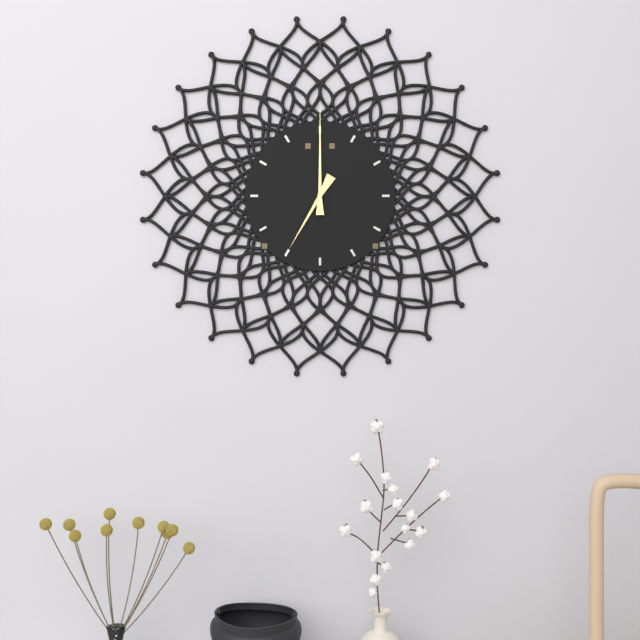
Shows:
7h00
